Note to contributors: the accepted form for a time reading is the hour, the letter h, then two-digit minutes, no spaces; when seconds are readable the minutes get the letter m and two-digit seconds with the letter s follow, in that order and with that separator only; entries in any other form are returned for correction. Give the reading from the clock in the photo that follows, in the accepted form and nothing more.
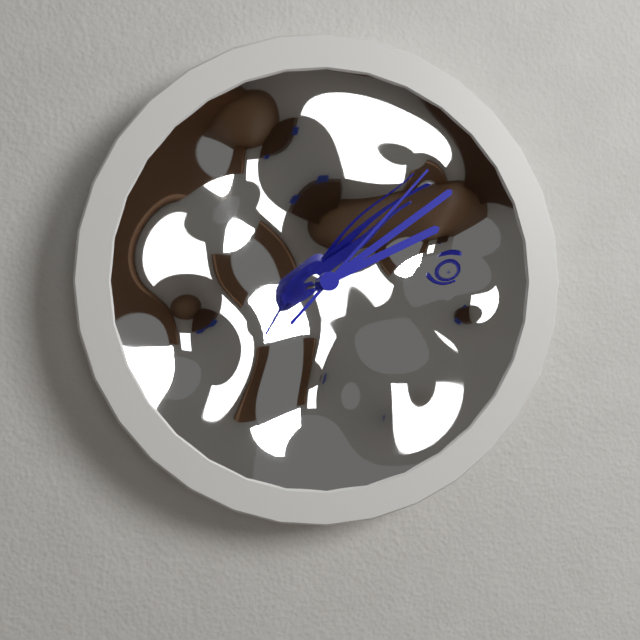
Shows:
2h09m07s
